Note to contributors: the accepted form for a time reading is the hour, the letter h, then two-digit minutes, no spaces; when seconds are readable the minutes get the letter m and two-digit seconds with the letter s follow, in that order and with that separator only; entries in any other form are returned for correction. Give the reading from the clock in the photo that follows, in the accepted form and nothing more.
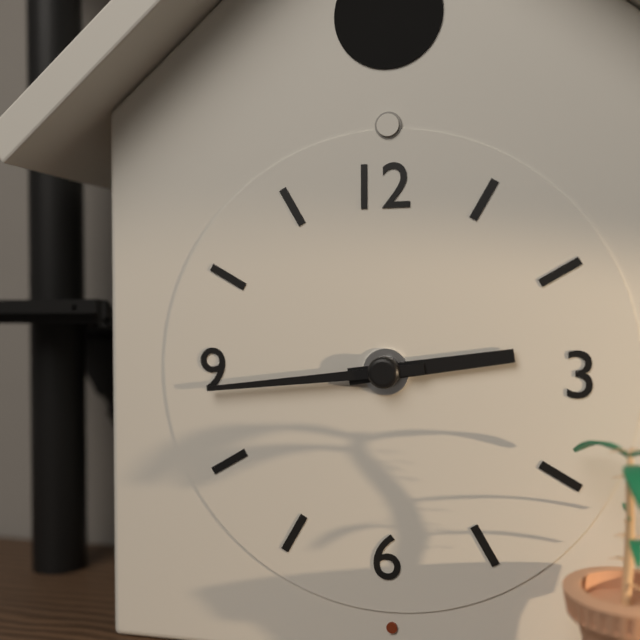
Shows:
2h44
